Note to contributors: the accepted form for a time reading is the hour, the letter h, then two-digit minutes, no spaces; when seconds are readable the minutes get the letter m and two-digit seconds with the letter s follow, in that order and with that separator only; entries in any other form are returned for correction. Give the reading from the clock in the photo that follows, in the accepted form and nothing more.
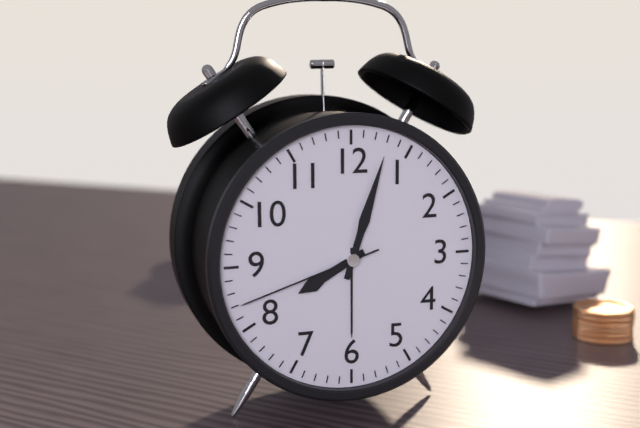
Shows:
8h03m42s
